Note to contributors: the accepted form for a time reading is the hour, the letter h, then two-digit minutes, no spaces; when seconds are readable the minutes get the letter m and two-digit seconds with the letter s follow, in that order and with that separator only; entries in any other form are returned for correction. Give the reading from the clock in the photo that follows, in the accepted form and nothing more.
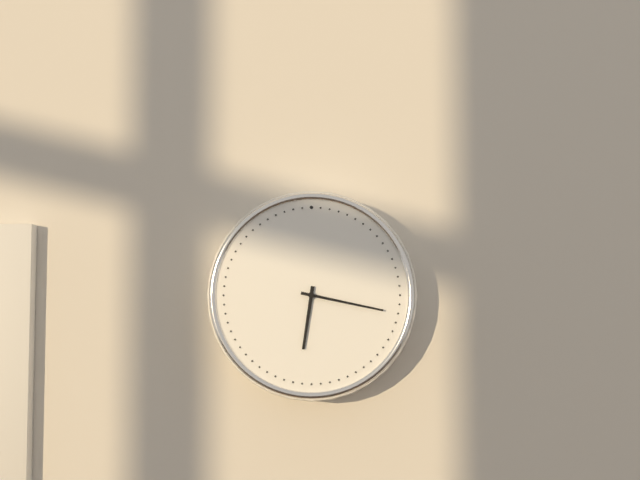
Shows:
6h17
